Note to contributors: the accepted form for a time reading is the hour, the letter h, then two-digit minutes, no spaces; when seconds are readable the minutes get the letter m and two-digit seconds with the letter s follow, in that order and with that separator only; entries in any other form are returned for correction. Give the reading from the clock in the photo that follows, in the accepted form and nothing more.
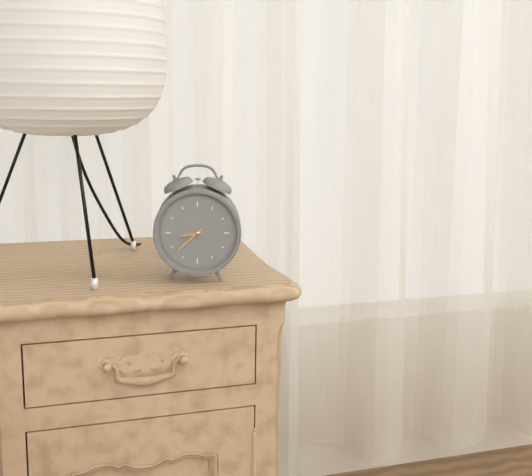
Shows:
8h38
